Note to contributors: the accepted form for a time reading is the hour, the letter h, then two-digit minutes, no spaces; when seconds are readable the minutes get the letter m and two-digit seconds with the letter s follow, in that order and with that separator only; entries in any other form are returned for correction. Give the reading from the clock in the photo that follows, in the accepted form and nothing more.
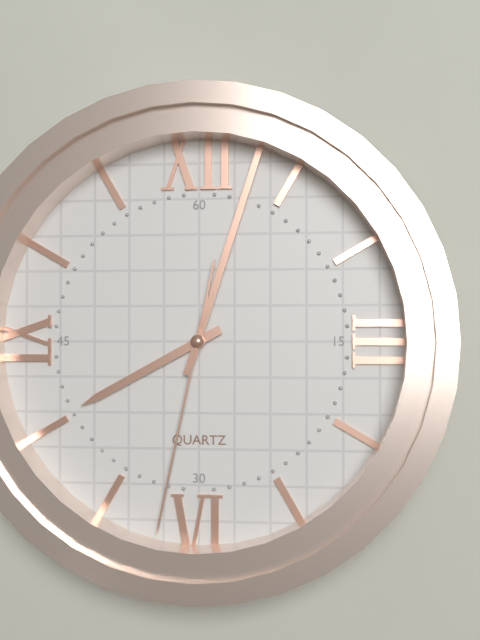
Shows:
8h03m32s
